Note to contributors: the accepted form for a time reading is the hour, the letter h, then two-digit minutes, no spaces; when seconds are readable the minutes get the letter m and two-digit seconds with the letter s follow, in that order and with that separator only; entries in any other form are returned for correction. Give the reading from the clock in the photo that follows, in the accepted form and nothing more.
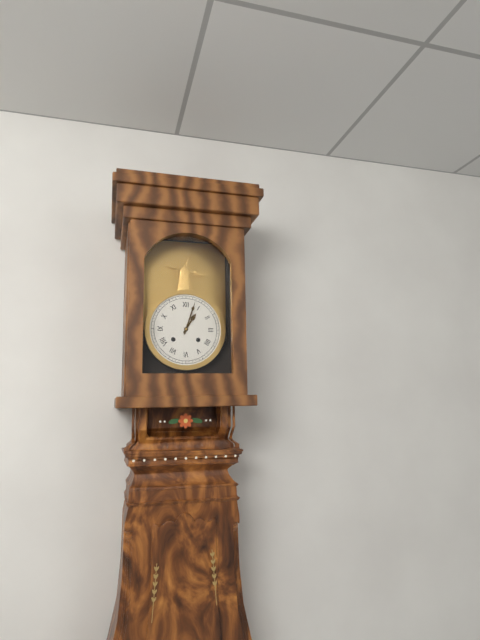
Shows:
1h03
